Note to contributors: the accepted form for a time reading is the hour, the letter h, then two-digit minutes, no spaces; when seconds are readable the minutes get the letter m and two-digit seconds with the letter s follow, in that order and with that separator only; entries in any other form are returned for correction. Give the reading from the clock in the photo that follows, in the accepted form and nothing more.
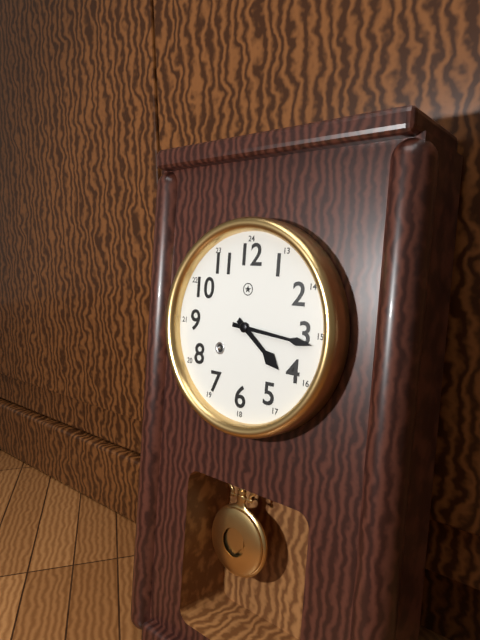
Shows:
4h16
